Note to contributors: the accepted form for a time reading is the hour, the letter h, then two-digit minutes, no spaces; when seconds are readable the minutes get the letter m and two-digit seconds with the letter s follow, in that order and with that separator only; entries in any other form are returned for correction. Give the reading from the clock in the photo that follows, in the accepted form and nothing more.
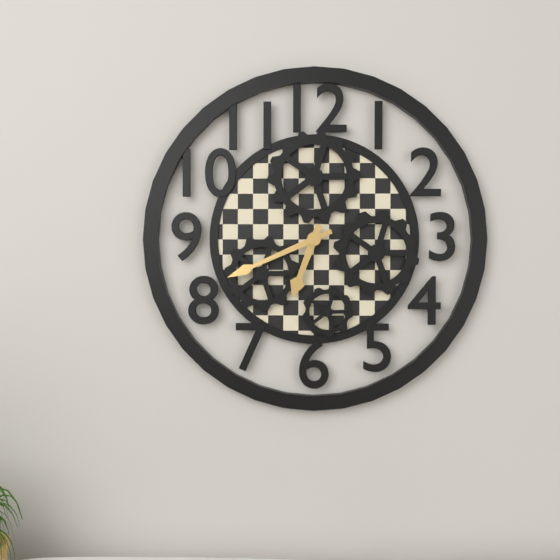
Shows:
6h41
